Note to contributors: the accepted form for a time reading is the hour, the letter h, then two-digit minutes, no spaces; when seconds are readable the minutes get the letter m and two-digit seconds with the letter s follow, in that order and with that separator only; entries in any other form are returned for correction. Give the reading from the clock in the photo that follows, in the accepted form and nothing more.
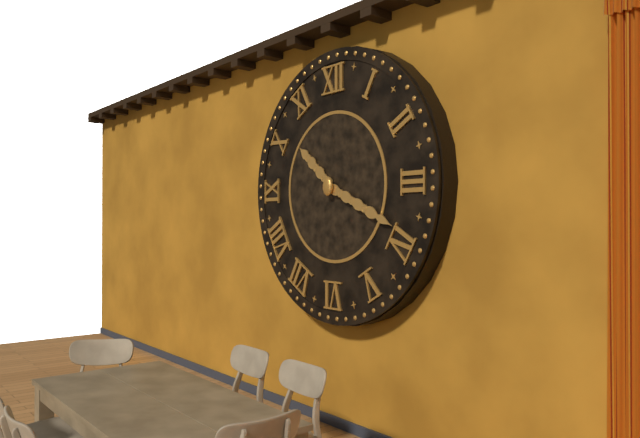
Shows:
10h19
